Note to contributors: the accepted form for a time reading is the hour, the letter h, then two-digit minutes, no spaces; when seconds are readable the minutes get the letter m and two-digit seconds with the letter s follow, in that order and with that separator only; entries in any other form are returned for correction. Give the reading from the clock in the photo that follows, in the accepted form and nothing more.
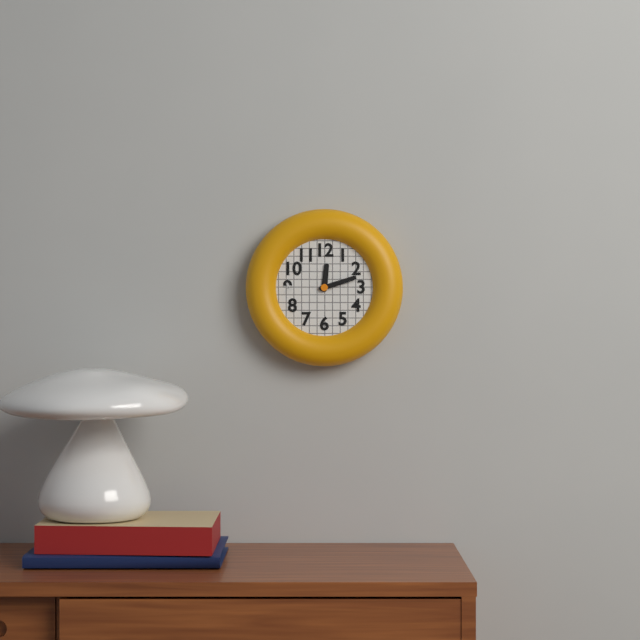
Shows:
12h12
